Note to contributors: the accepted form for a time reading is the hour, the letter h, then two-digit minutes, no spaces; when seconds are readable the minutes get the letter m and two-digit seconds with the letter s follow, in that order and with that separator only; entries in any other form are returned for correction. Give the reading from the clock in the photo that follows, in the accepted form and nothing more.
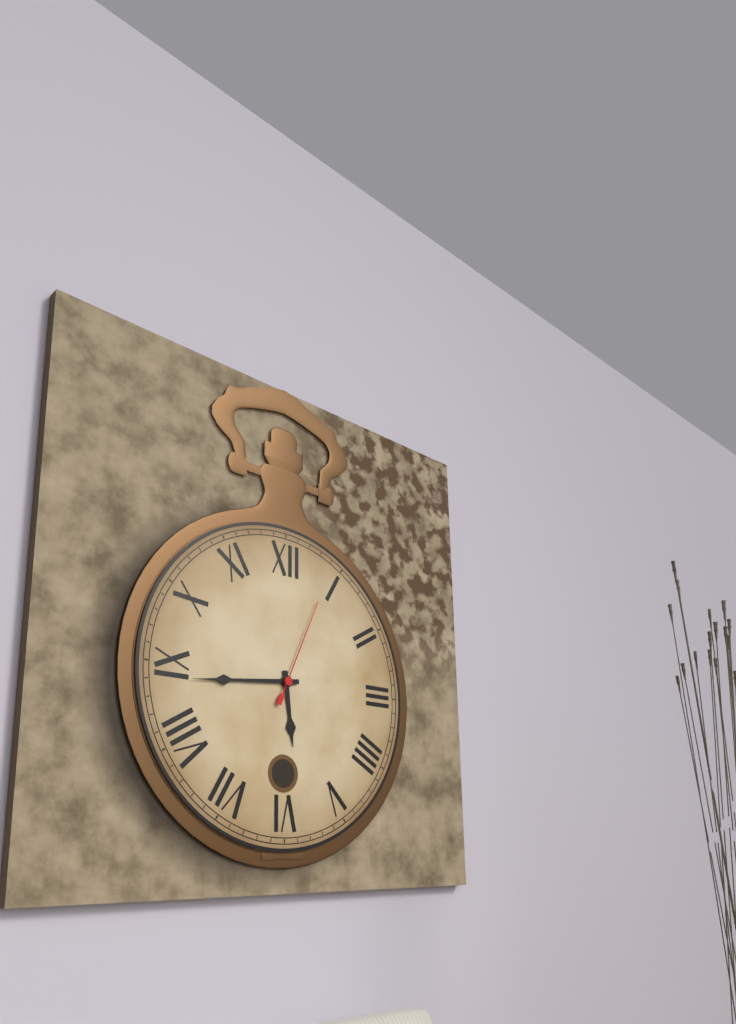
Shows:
5h44m04s
